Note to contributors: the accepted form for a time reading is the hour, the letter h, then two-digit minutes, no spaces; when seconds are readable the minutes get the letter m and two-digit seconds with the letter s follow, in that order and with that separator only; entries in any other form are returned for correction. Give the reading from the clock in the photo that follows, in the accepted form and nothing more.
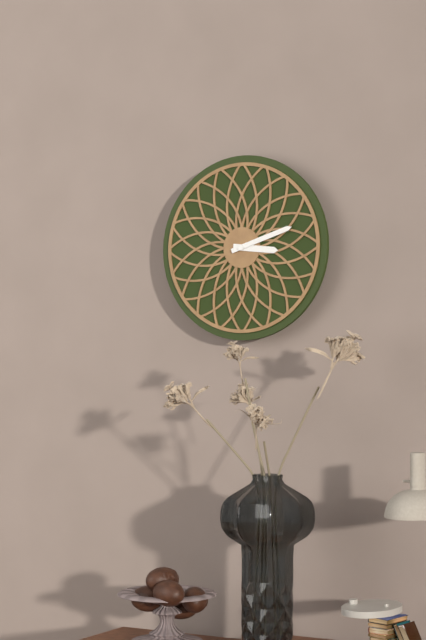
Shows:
3h12
